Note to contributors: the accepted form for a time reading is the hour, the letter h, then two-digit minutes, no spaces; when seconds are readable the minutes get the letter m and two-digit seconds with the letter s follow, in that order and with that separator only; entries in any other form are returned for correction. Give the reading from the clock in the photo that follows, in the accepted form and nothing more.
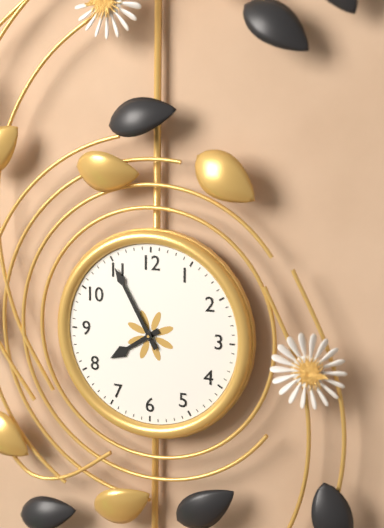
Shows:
7h55
